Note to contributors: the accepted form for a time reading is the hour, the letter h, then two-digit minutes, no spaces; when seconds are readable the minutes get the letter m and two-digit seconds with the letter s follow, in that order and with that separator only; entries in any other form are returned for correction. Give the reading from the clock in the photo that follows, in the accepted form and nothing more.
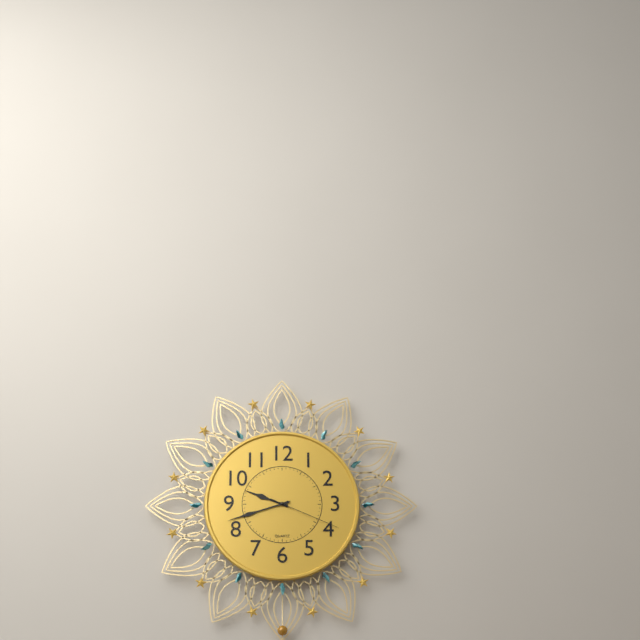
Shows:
9h42m19s
